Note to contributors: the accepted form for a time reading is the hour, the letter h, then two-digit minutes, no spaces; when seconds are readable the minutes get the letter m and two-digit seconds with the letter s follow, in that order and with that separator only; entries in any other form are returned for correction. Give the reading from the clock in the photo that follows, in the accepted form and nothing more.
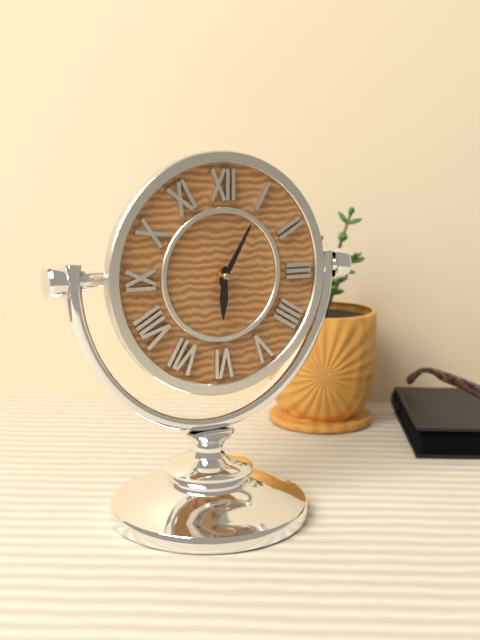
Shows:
6h05
